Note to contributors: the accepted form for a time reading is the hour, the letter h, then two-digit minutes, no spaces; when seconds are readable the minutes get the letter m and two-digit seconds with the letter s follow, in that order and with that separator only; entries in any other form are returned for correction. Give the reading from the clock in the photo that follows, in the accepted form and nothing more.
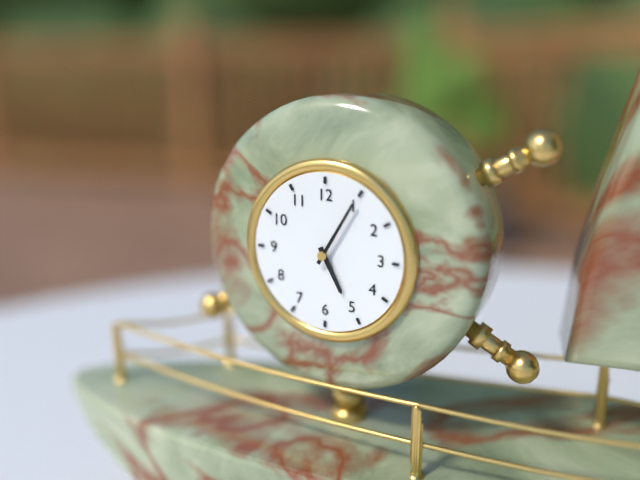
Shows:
5h05
